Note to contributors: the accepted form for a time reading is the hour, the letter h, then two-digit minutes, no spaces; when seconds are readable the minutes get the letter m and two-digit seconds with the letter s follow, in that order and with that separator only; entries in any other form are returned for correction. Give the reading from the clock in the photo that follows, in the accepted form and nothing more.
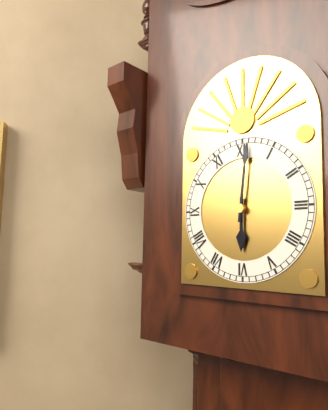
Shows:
6h01
